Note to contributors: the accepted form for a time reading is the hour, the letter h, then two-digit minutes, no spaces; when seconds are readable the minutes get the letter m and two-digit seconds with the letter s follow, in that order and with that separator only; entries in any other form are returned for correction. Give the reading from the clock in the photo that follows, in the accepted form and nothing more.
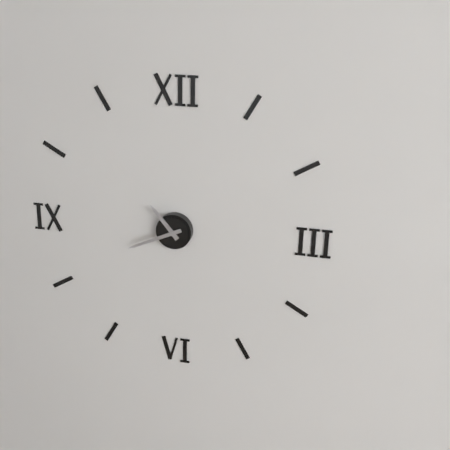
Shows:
10h41
